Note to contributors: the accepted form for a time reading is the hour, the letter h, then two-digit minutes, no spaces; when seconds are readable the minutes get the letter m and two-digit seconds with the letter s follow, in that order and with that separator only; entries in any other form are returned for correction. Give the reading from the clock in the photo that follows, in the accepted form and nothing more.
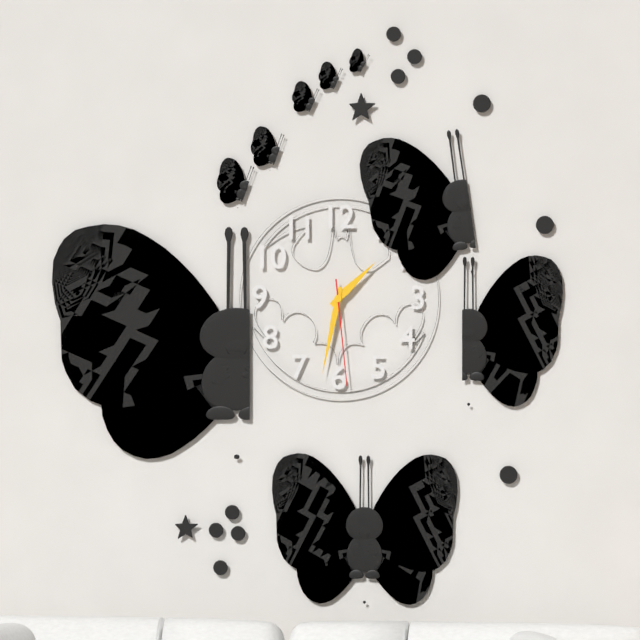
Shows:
1h32m29s
